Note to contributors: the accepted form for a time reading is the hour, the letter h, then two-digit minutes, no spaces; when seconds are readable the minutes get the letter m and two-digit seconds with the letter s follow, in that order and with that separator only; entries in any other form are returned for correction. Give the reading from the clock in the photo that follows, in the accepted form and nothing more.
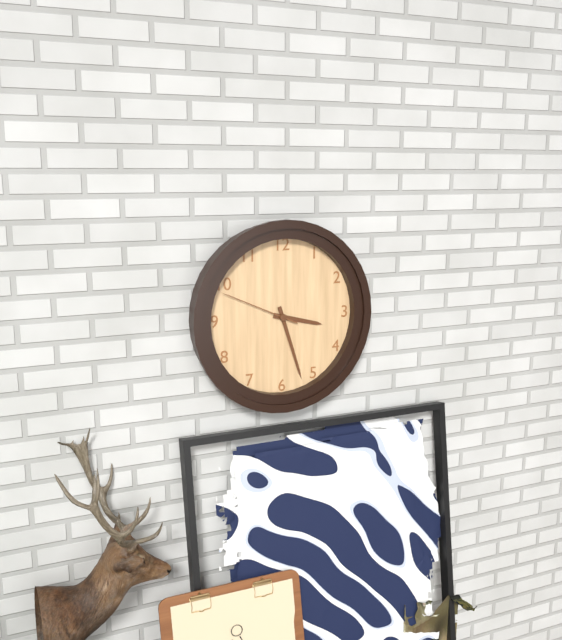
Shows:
3h27m49s
